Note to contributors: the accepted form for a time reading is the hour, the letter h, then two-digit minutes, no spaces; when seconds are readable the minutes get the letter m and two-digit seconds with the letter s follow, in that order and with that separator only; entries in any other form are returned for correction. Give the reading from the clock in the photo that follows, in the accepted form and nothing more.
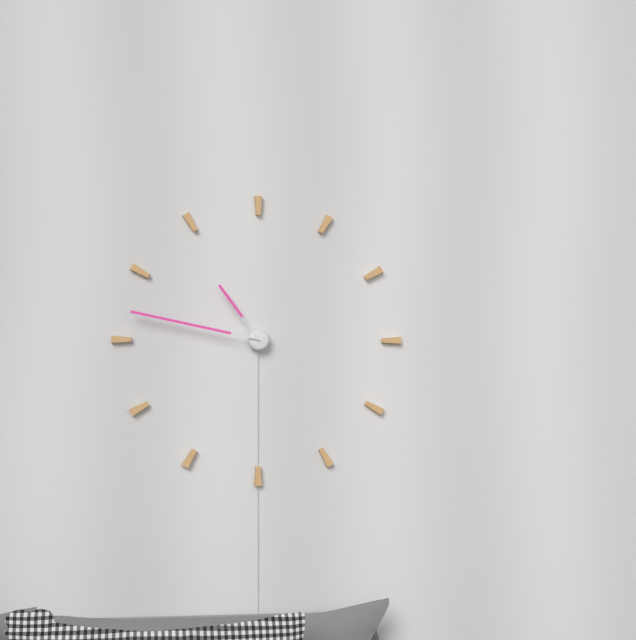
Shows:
10h47
